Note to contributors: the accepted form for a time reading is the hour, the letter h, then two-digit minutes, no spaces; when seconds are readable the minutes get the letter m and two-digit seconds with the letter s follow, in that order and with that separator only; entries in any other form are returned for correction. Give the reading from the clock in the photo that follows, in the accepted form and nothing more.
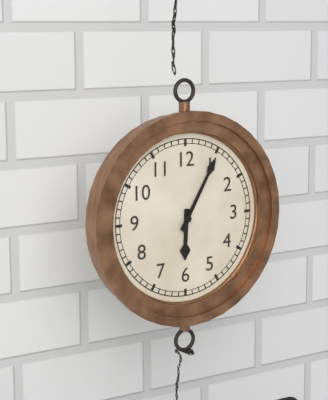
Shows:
6h05
